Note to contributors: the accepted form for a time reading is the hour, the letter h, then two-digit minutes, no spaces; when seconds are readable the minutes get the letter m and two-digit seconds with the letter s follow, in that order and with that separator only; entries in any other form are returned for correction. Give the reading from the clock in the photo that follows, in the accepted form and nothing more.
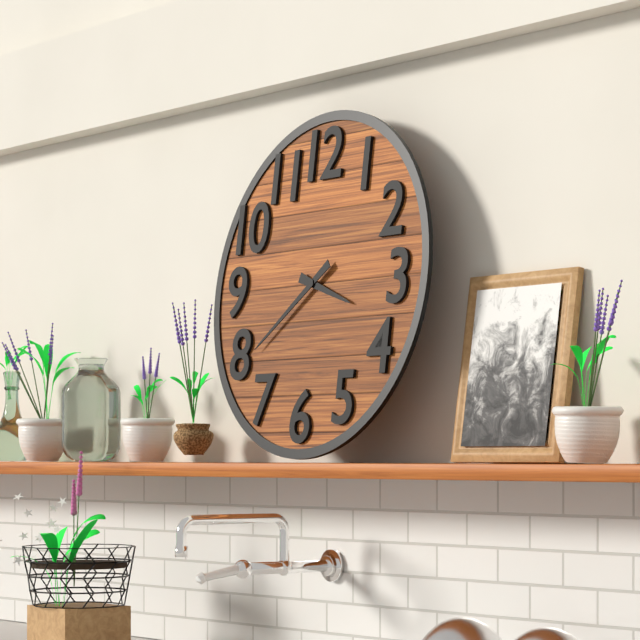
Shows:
3h39
